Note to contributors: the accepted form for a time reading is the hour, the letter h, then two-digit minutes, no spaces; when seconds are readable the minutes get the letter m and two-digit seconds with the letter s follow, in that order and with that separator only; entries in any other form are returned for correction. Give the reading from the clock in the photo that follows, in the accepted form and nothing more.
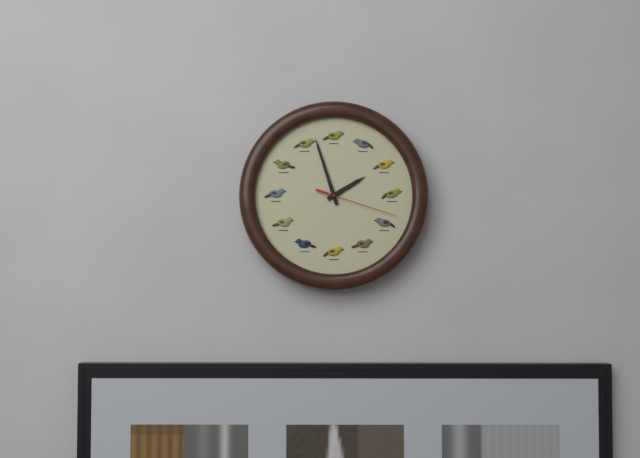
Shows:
1h57m18s
